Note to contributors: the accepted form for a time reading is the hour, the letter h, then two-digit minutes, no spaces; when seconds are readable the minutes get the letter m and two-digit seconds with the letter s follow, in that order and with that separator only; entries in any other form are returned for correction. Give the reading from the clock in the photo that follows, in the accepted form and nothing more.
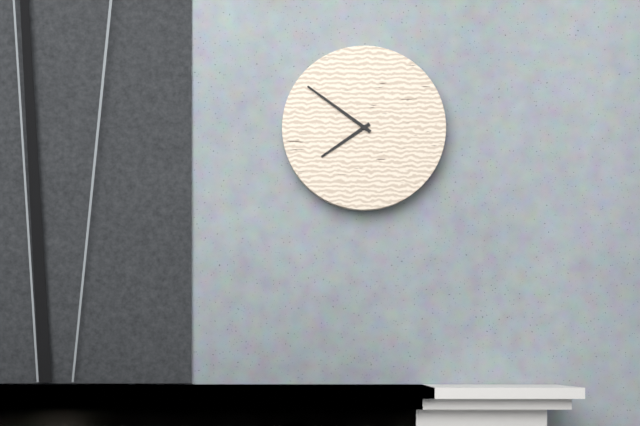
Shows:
7h51
